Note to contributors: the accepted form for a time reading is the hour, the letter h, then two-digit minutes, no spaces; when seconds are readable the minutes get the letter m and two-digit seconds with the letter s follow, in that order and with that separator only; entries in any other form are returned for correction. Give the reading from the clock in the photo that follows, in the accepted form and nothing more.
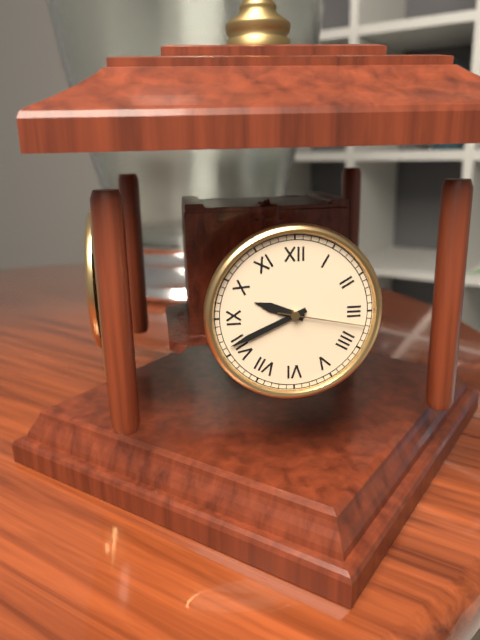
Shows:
9h41m17s
